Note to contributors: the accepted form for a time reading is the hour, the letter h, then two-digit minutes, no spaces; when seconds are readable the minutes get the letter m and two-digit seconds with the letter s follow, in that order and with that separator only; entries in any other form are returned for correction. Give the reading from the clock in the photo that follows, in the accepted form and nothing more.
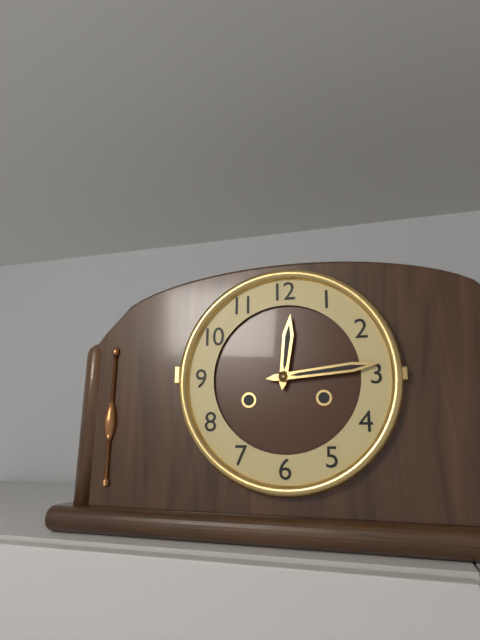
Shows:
12h14
